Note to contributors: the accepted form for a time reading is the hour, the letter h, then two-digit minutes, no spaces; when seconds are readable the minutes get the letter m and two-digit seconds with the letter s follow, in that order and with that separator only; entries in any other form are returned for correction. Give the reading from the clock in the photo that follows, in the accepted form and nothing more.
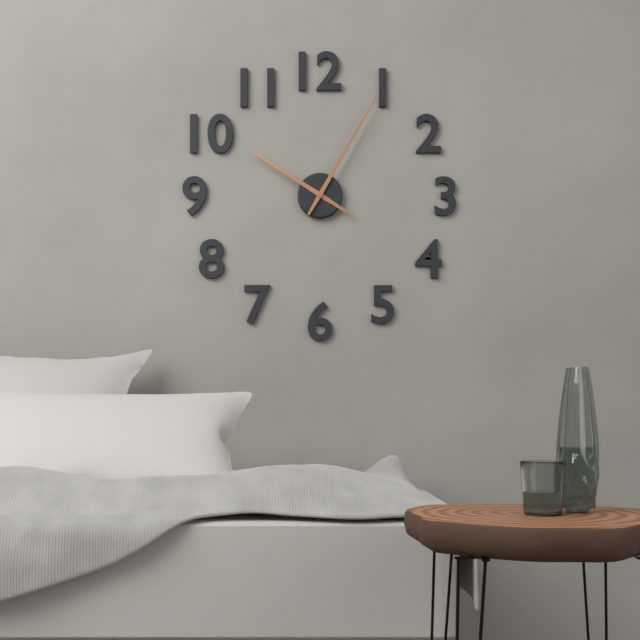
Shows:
10h05
